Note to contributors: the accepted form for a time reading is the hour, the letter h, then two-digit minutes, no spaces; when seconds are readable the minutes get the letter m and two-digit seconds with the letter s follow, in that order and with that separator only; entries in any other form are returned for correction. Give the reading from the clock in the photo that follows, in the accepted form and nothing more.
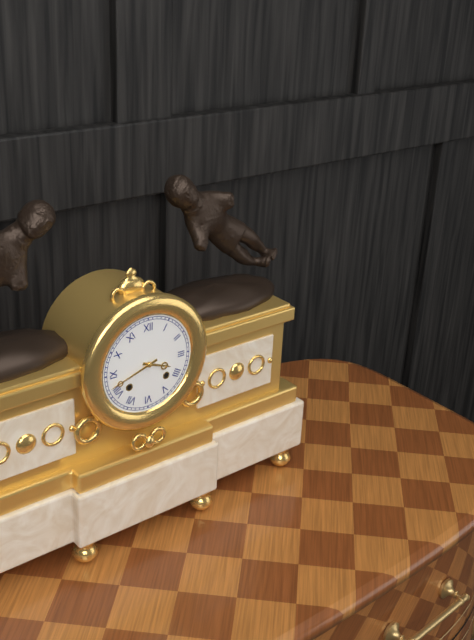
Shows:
3h42
